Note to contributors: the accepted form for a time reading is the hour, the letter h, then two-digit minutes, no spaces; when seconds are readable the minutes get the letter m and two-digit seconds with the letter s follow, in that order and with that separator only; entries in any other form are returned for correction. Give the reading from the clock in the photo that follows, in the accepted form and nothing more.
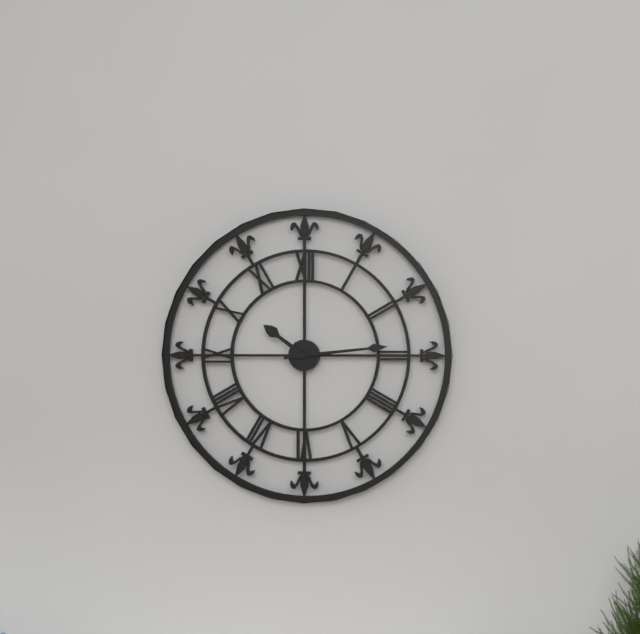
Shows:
10h14
